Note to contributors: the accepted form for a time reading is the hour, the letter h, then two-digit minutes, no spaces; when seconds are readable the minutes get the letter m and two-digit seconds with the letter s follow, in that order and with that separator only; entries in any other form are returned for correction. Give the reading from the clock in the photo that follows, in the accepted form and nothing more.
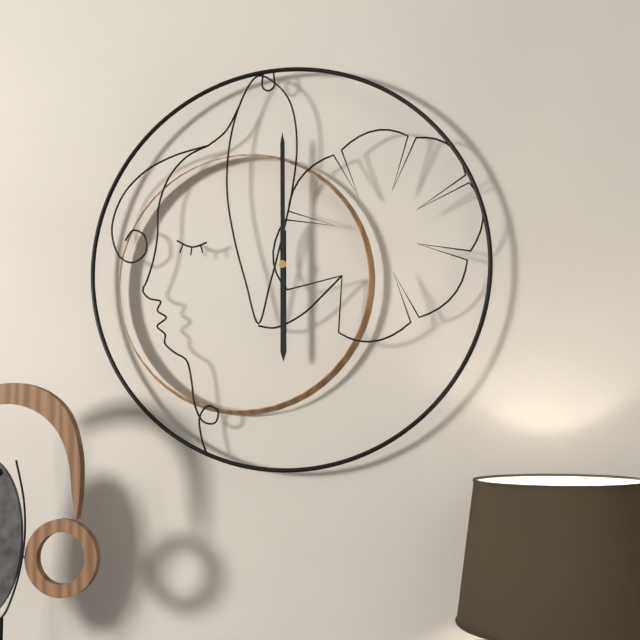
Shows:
6h00
